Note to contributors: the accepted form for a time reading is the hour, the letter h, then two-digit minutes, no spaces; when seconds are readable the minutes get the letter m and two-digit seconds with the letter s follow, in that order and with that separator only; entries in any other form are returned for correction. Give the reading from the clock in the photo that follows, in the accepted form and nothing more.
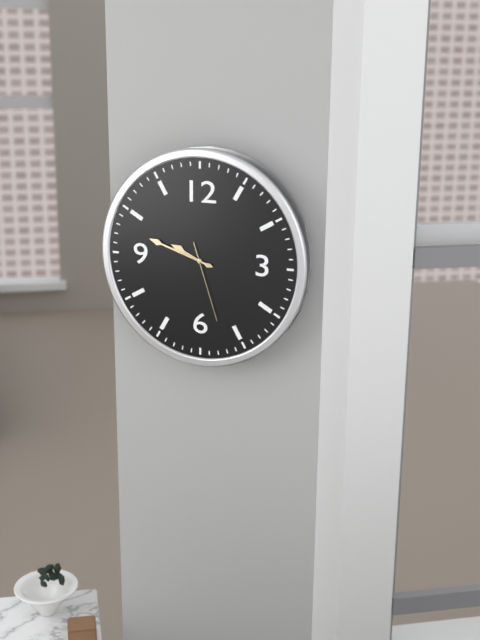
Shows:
9h48m27s
